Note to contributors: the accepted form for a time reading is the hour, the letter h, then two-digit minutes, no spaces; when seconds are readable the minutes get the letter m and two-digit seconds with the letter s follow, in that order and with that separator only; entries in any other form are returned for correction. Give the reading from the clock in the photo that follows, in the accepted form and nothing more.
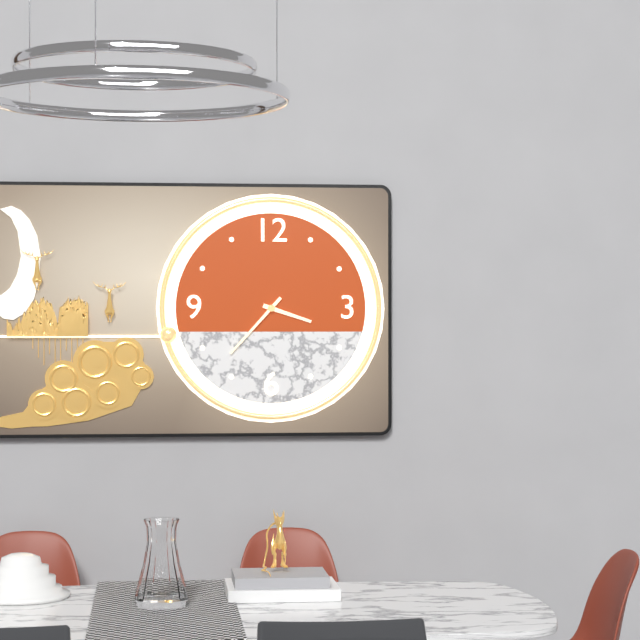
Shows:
3h37
